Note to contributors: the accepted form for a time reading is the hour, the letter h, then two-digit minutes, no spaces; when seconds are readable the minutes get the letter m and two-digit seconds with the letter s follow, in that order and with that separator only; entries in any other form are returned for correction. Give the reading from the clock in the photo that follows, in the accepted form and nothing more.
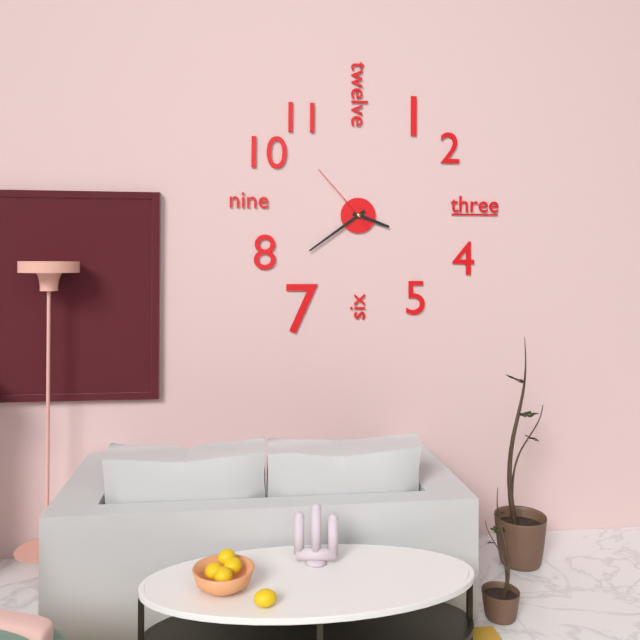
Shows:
3h39m53s
